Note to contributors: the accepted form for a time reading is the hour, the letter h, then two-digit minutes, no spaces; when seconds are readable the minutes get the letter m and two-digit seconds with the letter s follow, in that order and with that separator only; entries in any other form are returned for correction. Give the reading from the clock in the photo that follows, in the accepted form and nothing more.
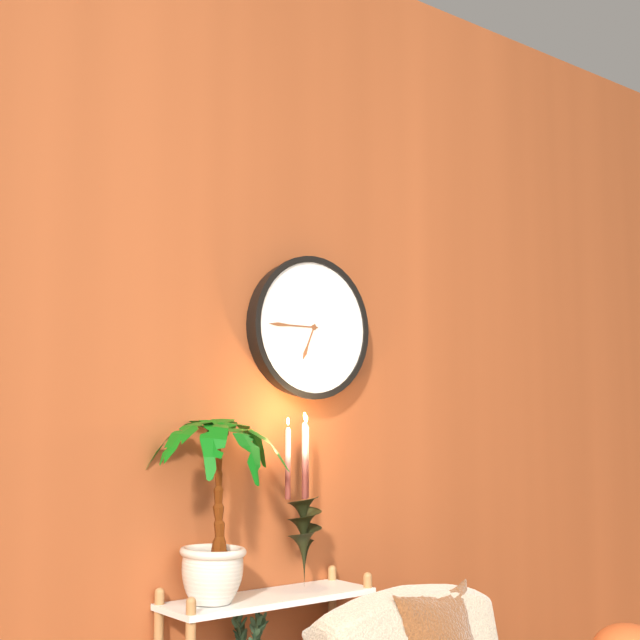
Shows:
6h45
